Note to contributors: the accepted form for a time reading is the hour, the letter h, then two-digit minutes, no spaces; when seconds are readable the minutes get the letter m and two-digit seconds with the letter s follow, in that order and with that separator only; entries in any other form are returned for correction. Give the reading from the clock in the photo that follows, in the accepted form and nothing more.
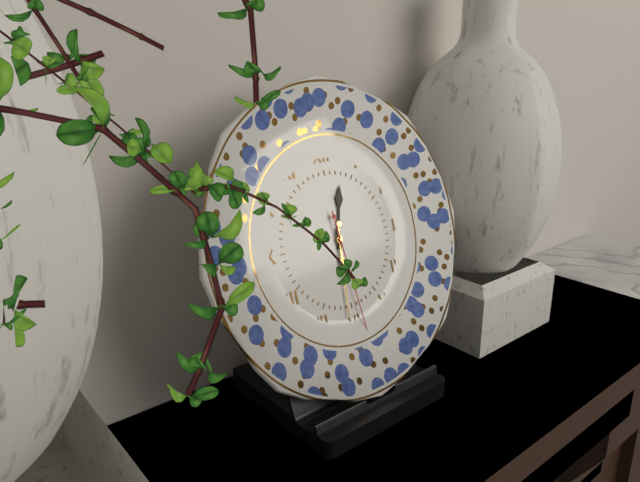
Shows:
12h31m29s
